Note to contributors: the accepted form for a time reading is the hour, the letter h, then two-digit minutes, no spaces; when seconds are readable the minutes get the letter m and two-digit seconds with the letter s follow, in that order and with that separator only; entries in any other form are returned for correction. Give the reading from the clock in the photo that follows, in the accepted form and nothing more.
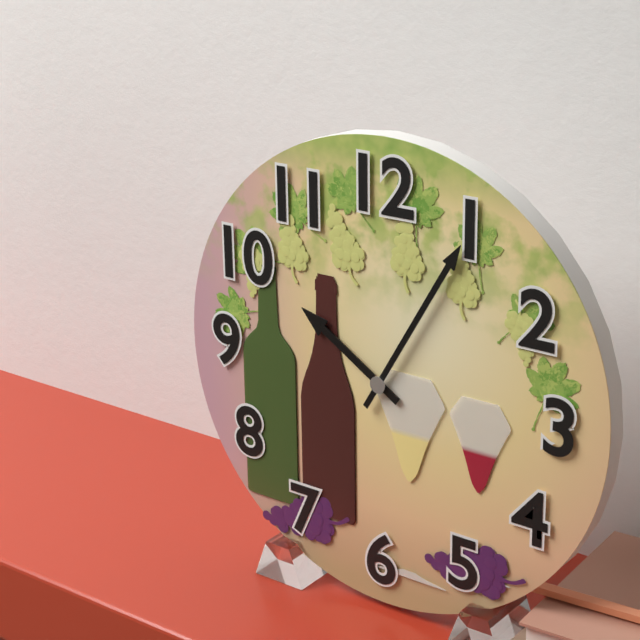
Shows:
10h05
